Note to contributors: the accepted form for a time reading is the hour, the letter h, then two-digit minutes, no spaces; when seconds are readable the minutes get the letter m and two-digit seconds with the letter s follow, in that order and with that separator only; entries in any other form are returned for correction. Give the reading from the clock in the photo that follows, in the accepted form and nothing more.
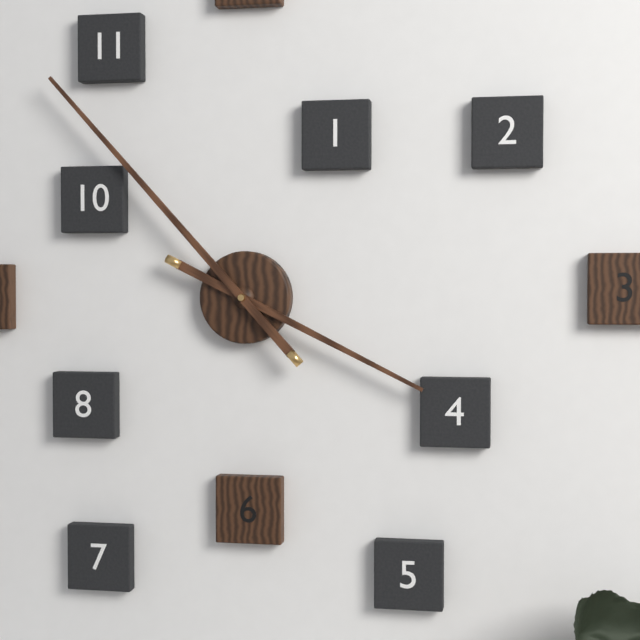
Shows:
3h53
